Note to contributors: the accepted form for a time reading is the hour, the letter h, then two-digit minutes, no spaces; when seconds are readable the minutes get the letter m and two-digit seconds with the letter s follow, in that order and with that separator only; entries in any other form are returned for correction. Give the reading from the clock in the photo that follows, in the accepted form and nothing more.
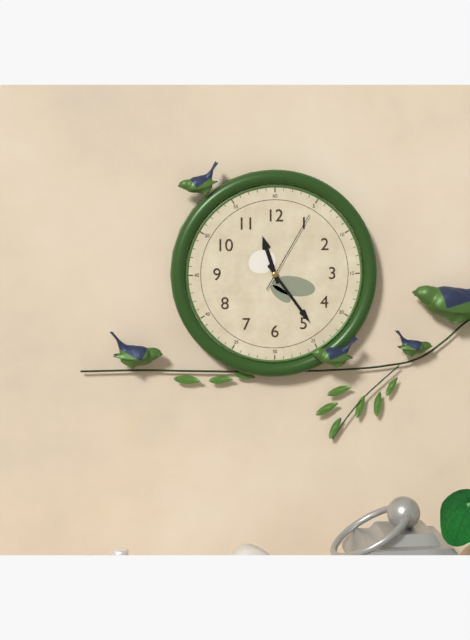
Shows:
11h24m05s
